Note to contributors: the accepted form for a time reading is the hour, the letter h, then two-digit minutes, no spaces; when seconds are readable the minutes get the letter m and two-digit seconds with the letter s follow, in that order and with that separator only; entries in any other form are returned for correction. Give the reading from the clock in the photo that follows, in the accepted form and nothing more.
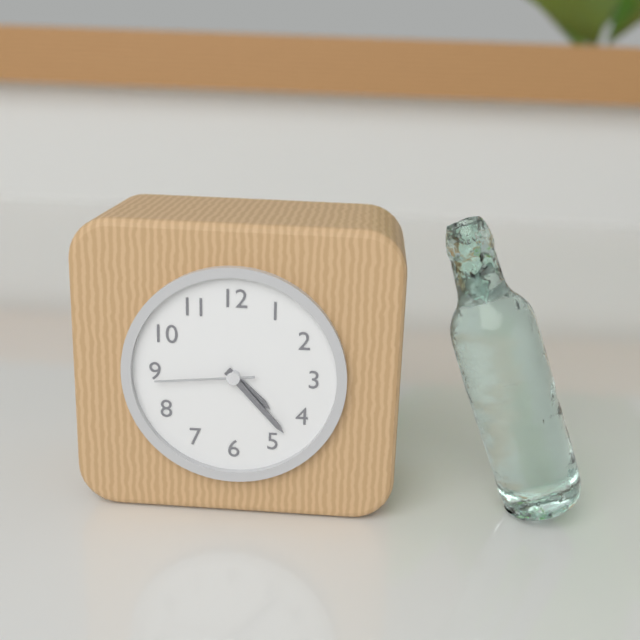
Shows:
4h23m44s
